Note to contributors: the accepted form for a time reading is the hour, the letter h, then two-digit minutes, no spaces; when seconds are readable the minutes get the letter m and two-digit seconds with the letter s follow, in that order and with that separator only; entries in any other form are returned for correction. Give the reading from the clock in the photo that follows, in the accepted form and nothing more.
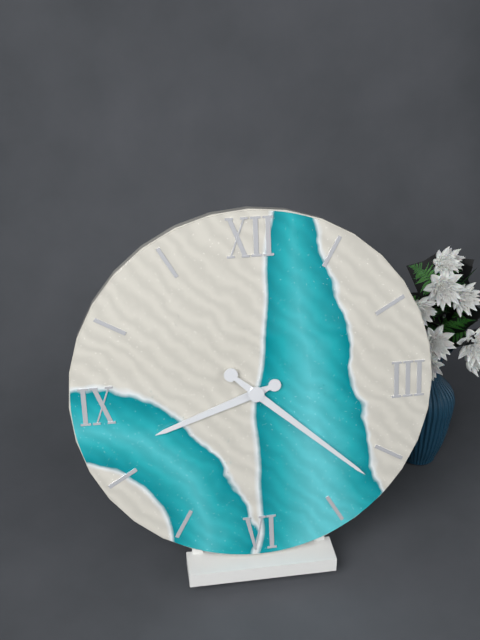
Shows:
8h22
